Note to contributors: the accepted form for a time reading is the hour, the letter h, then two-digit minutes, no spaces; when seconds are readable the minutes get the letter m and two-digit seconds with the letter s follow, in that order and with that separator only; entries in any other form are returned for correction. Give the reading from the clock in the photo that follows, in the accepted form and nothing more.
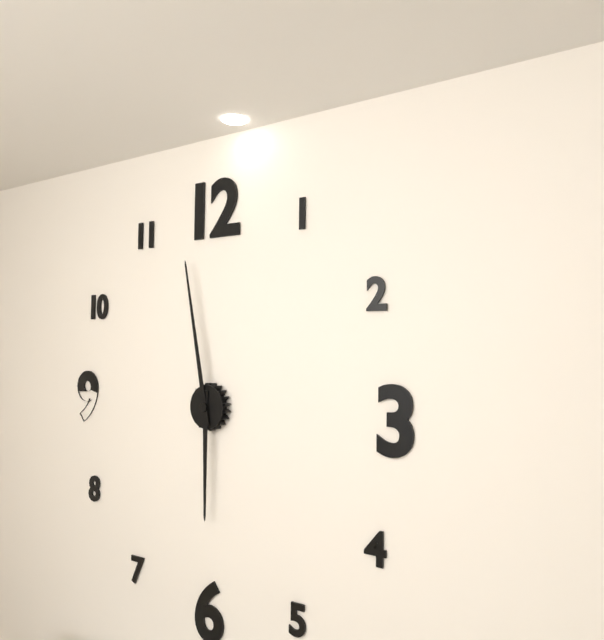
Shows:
5h58
